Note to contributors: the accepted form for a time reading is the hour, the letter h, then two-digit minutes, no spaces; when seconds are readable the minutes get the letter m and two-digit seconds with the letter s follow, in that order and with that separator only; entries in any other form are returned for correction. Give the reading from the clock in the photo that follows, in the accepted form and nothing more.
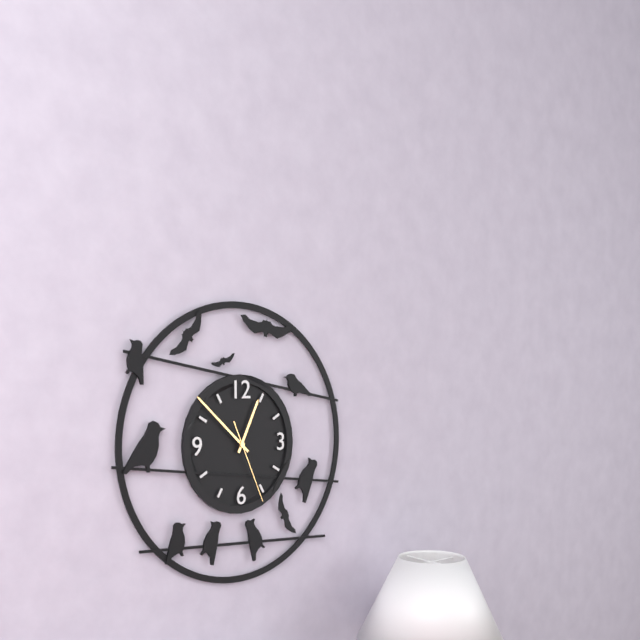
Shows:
12h52m26s
